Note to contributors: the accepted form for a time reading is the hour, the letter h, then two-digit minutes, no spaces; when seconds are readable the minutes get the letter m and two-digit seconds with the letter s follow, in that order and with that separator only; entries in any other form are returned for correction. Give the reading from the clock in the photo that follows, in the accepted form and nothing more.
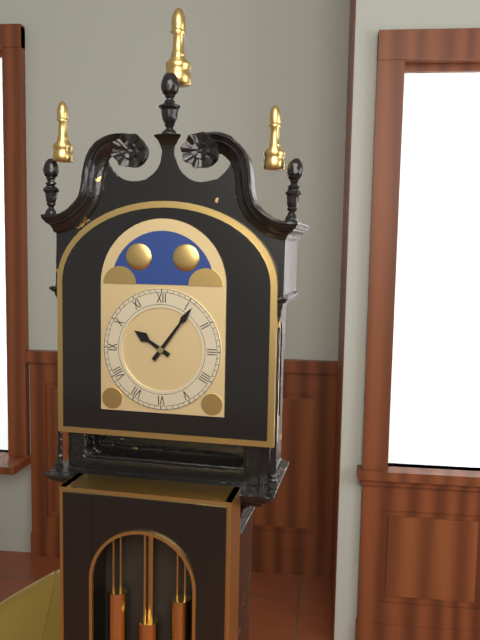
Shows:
10h06
